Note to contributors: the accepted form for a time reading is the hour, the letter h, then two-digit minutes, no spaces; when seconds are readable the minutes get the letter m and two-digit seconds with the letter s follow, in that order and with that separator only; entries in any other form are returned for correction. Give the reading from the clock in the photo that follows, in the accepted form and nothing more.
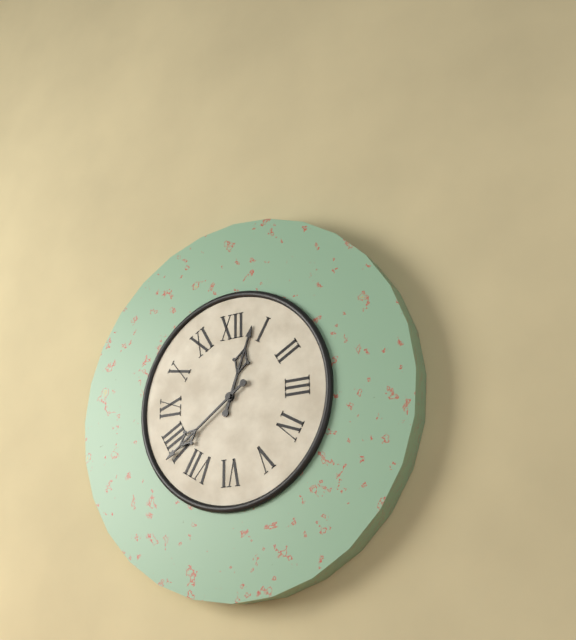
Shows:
12h39
